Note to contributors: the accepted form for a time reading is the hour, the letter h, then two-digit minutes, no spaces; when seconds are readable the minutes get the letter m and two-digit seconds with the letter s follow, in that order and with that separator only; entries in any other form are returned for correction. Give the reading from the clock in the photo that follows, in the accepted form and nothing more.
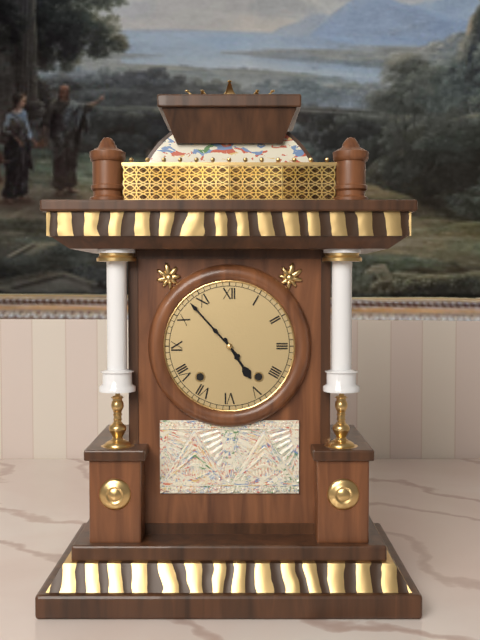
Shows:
4h53
